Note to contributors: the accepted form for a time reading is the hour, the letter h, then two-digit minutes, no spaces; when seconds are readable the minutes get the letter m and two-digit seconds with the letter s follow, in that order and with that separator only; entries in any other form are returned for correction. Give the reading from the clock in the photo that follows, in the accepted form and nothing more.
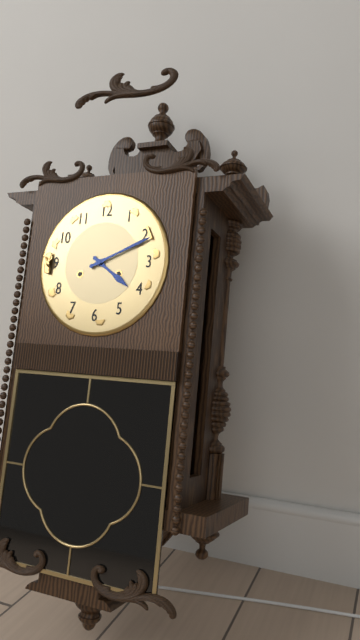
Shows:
4h11
